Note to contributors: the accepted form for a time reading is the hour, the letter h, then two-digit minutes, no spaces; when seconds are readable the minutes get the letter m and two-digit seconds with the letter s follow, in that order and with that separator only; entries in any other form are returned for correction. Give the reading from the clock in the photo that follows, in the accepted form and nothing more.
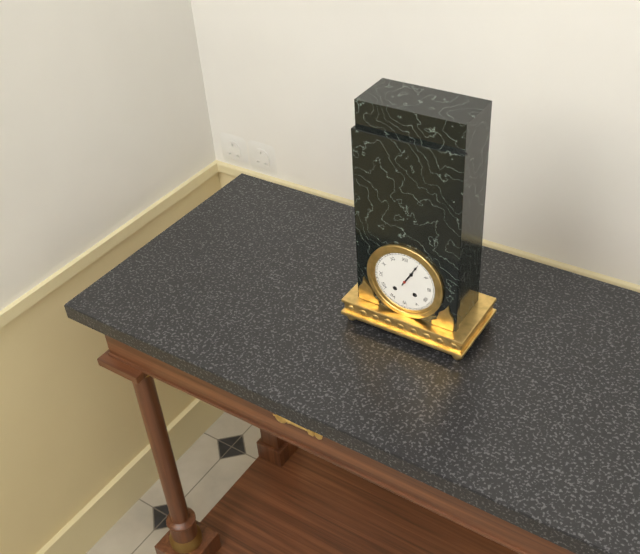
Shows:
1h05
